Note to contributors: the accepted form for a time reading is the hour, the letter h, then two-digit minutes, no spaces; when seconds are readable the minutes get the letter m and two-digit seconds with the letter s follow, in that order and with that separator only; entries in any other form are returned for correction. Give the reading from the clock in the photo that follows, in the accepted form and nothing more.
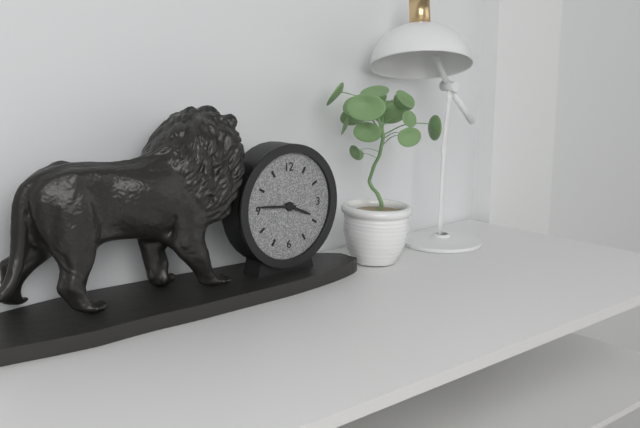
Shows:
3h46
